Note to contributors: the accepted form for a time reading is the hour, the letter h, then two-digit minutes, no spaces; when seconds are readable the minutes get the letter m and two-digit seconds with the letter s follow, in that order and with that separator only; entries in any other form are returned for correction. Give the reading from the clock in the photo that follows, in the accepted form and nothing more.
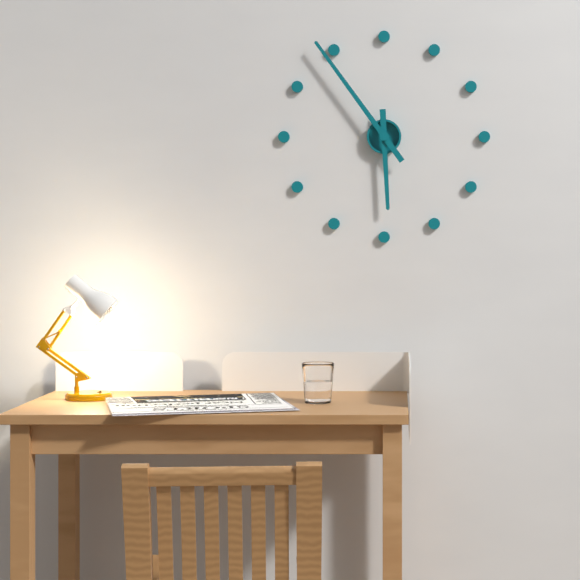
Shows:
5h54
